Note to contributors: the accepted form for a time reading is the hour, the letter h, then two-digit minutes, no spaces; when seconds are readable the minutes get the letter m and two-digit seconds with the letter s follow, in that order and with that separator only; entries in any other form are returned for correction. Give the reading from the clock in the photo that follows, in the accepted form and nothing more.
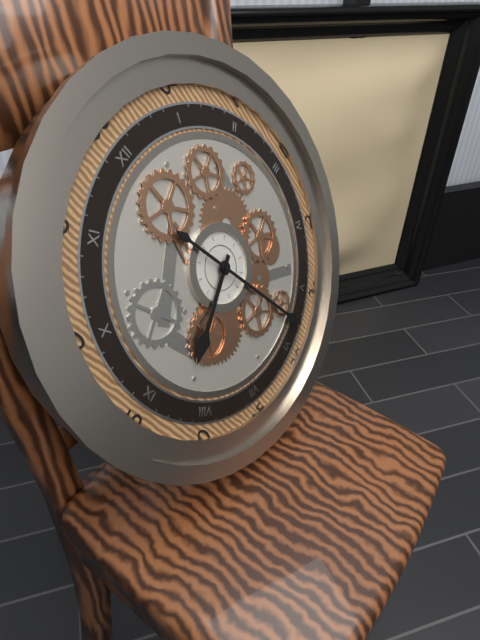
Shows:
8h28
